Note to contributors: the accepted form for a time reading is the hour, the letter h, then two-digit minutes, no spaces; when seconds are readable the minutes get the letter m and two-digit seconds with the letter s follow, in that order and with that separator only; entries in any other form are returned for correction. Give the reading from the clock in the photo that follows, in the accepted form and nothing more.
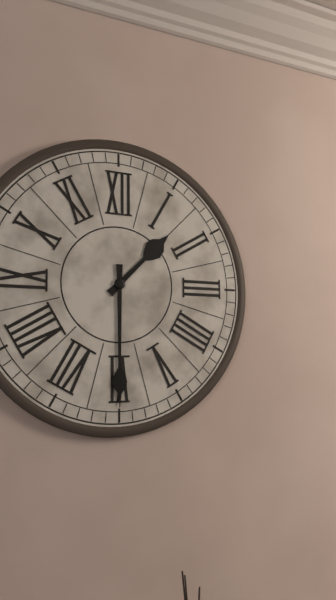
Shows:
1h30
